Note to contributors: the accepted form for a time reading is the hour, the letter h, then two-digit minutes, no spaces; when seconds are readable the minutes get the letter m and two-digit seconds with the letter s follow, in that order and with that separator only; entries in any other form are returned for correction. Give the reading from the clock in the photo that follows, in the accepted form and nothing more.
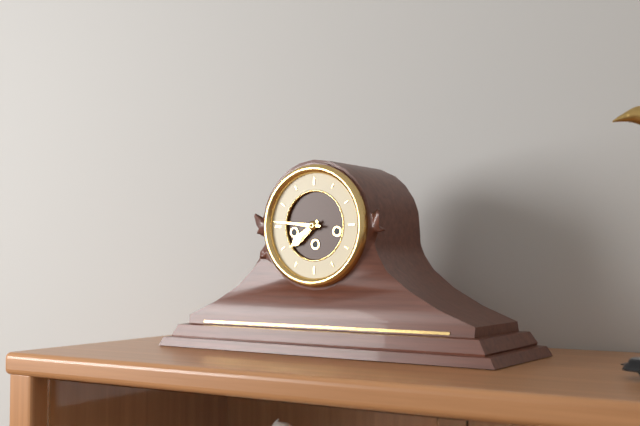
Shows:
7h46
